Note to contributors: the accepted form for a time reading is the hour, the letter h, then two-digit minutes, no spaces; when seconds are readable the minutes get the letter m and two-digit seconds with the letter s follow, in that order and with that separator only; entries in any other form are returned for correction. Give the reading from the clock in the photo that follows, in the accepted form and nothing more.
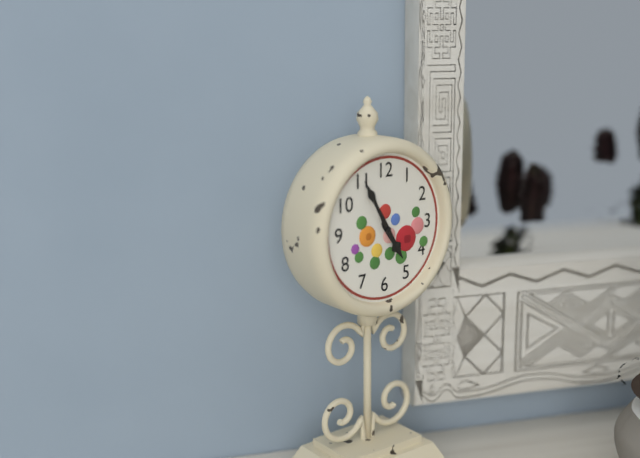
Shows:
4h55
